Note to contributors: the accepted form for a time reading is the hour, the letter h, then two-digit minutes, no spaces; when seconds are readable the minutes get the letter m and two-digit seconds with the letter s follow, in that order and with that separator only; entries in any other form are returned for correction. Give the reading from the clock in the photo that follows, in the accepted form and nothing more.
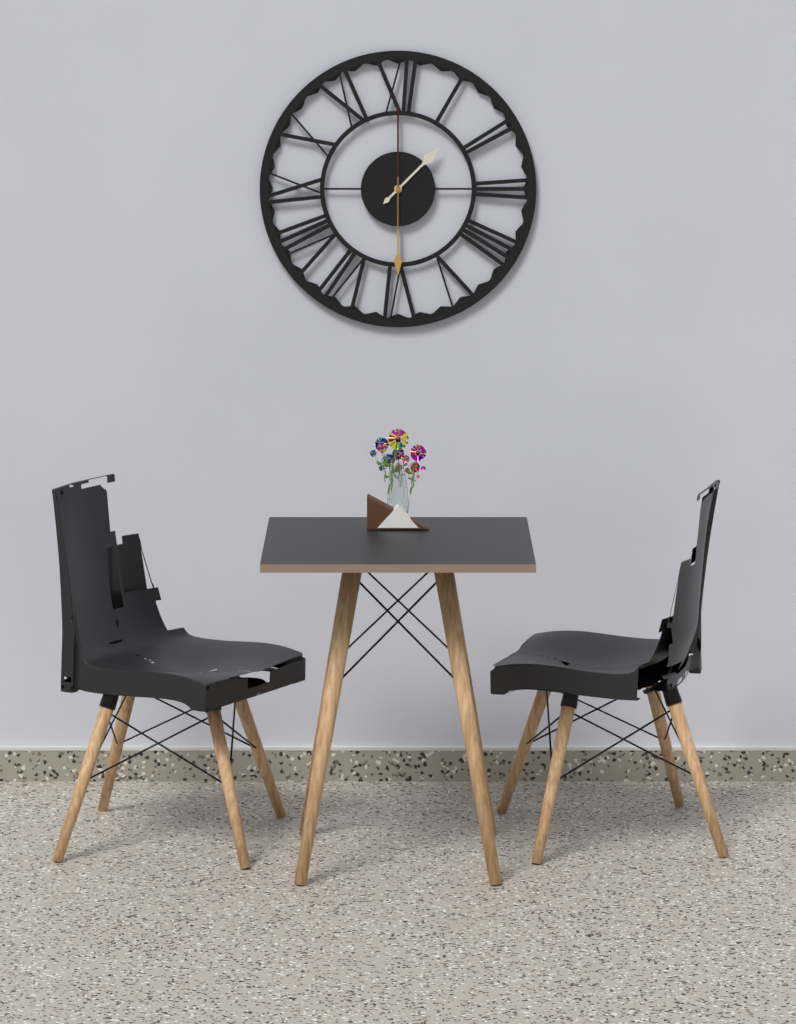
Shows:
1h30m00s
